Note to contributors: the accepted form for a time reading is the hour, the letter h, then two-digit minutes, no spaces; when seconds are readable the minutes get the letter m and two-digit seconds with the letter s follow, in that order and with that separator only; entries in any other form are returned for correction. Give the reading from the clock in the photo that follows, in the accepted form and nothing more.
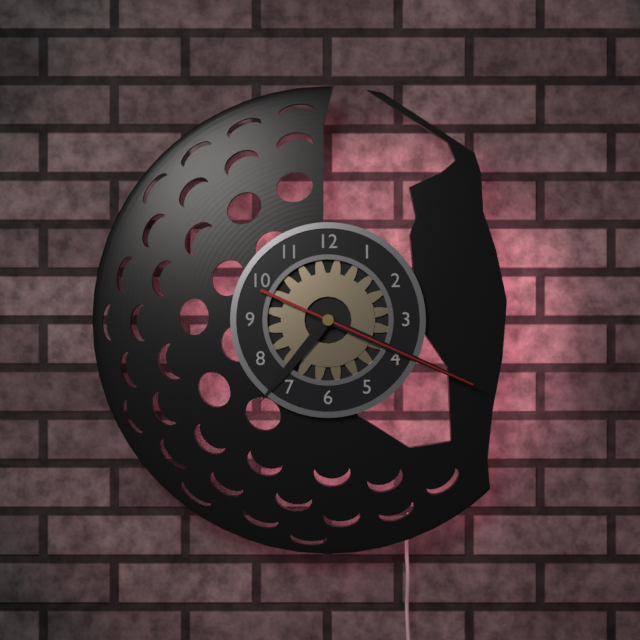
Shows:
7h19m19s
